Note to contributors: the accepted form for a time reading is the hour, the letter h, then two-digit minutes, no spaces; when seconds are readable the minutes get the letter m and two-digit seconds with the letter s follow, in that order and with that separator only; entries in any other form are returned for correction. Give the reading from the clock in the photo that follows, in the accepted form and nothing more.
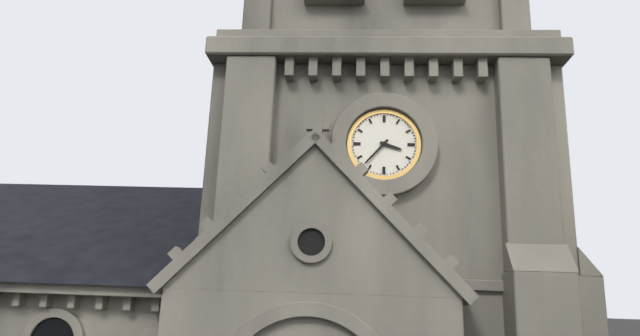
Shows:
3h37
